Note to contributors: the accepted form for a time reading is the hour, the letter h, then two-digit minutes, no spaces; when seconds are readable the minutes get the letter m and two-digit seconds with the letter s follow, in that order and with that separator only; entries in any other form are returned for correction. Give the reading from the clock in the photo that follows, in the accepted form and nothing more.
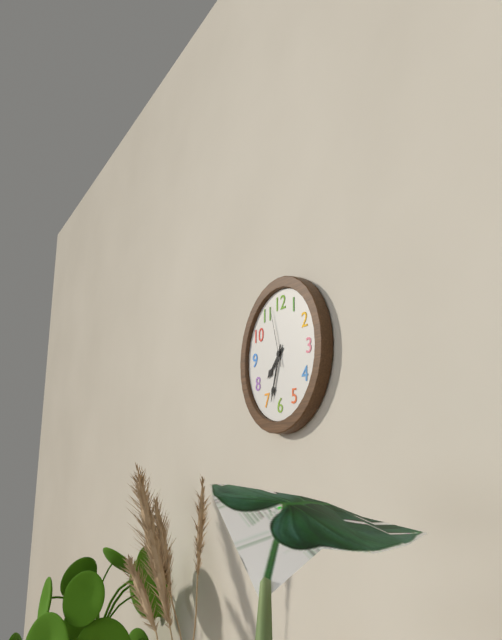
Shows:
7h33m57s
